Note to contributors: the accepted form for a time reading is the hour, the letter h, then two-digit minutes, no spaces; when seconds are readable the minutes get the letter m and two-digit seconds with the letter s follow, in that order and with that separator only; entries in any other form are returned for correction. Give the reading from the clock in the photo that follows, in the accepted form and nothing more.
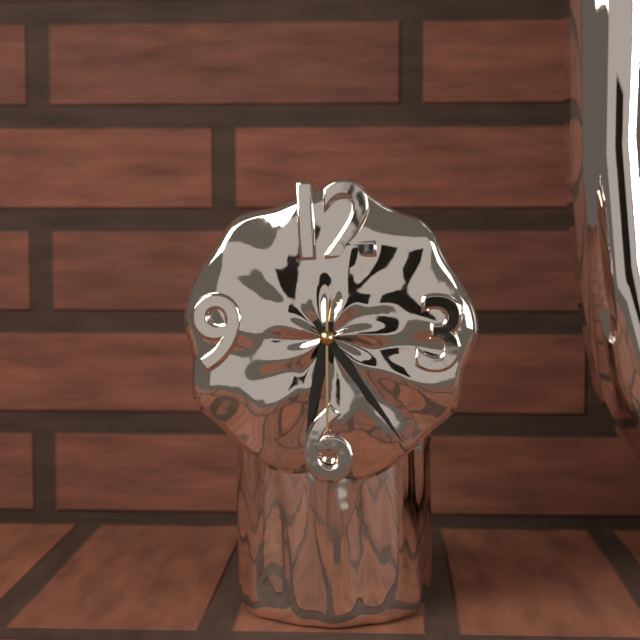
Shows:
6h24m30s
